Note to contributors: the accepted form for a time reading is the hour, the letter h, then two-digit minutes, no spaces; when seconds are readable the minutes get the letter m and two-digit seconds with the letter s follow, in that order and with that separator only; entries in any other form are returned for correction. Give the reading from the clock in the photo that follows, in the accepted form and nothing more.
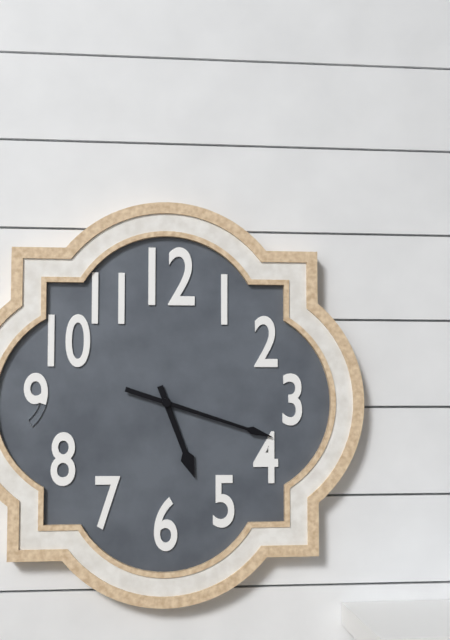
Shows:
5h18
